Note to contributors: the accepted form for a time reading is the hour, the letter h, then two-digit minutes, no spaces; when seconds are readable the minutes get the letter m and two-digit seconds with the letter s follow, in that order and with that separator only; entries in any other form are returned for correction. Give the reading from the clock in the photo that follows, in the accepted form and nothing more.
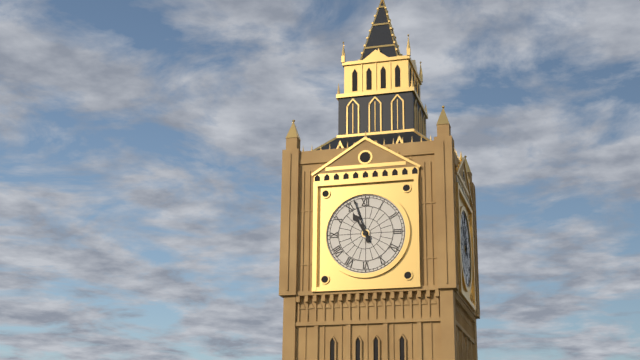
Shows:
10h57
